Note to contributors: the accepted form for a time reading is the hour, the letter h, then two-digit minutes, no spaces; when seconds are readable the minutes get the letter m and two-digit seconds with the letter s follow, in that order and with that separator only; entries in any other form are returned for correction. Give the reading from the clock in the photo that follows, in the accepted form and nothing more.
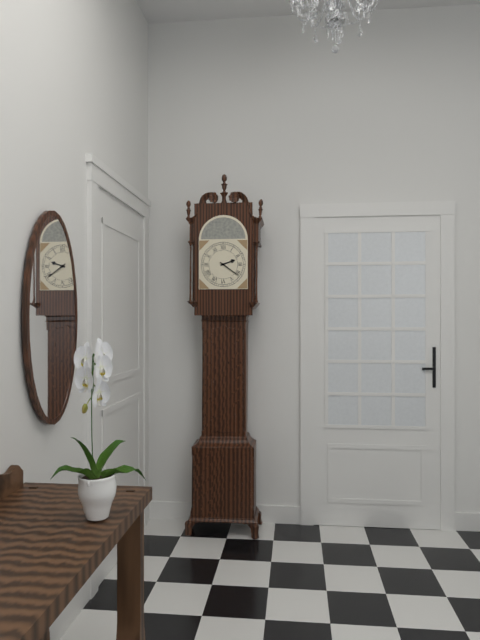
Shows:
2h21
